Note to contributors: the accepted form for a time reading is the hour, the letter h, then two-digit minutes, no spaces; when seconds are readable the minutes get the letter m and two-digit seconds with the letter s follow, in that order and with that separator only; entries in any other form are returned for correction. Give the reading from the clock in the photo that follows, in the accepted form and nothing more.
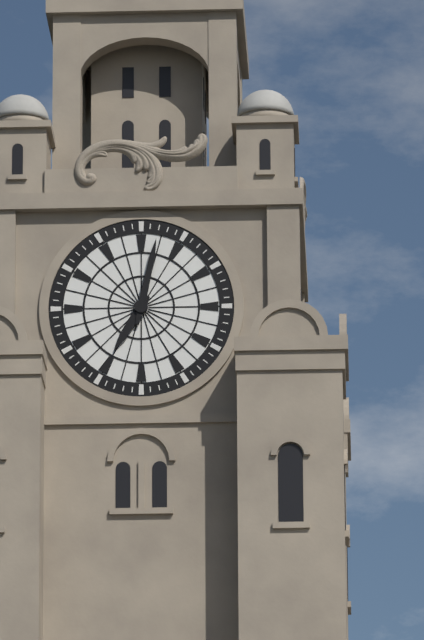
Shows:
7h02
